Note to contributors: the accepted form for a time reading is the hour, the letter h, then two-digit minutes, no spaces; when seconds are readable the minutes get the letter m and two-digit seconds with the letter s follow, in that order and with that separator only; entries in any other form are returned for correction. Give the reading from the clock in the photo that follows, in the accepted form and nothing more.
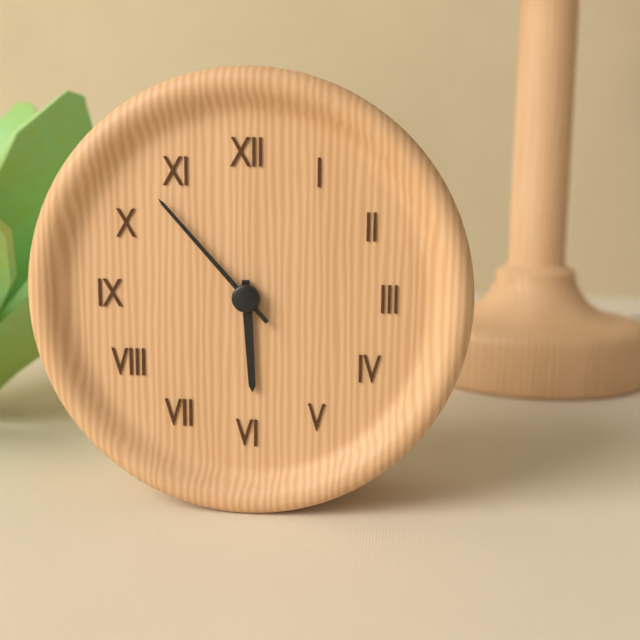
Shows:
5h53
